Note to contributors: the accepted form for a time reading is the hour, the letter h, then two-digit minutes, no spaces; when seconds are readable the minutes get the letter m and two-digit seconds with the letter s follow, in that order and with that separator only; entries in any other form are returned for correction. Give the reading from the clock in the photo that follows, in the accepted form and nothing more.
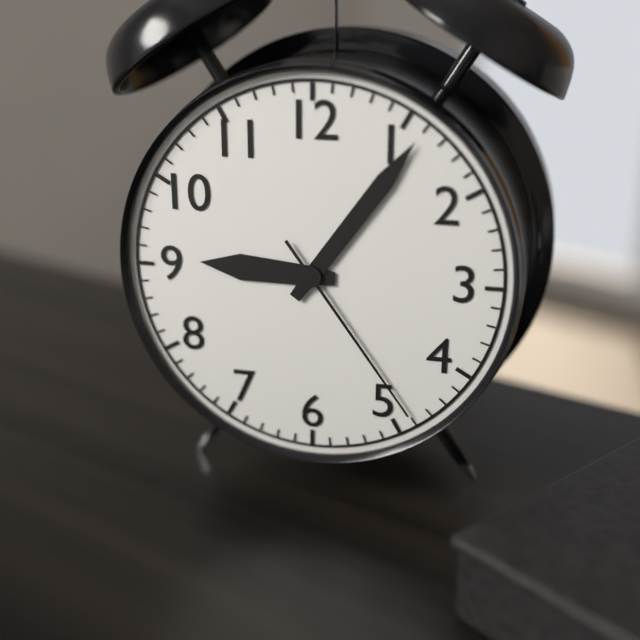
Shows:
9h06m24s
